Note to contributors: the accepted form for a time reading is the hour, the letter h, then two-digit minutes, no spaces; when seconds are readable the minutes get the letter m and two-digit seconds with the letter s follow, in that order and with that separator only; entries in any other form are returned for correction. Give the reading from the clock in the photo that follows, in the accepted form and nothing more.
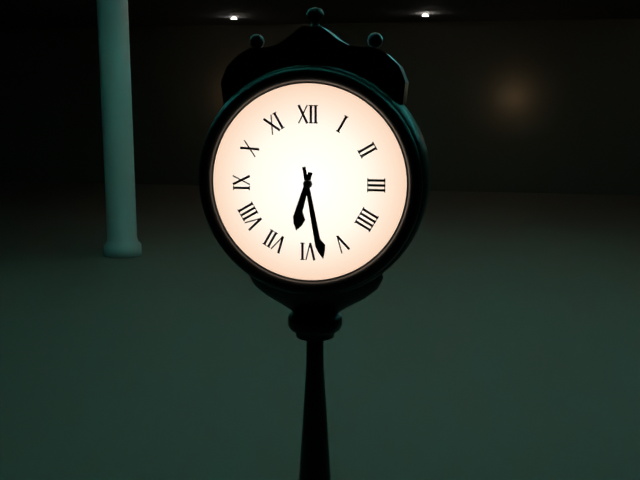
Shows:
6h28
